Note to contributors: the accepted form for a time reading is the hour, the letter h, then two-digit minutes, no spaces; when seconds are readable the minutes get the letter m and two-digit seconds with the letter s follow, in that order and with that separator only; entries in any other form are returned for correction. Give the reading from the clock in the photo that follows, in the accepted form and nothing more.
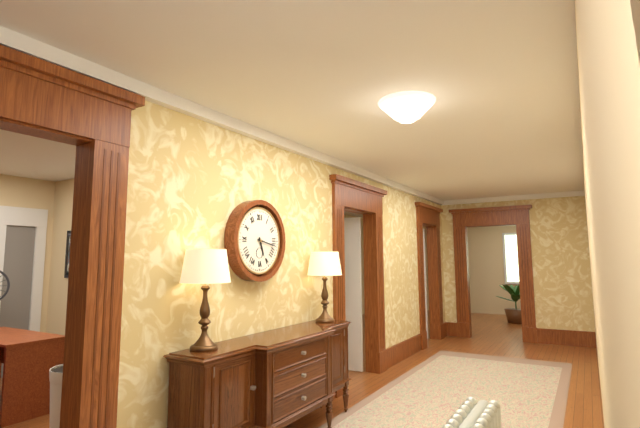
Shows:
5h17
